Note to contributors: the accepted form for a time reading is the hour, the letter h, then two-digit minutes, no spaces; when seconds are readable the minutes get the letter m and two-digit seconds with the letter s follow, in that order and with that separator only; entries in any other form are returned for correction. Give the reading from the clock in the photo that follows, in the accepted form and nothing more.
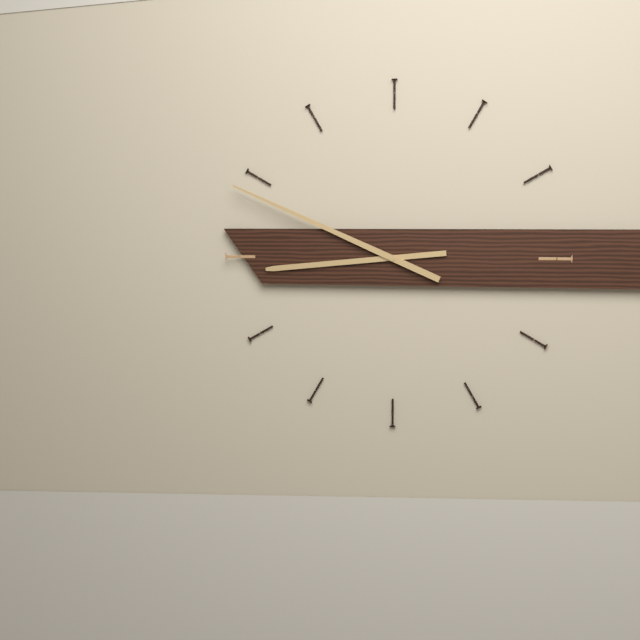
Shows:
8h49
